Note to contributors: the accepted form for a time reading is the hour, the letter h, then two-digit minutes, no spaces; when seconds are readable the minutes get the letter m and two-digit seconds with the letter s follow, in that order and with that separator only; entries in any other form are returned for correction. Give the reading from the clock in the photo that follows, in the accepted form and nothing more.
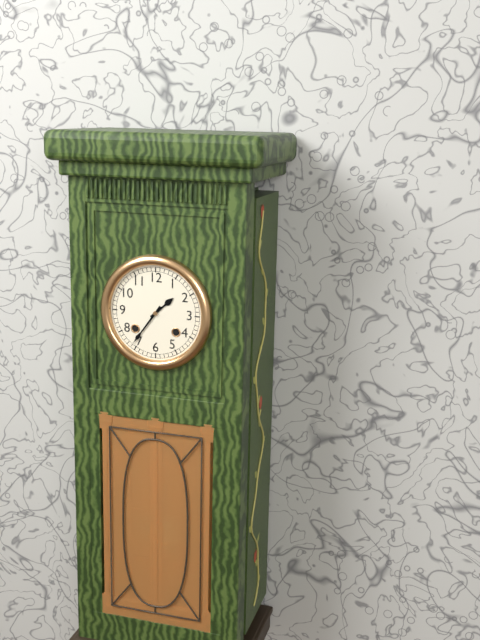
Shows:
1h36
